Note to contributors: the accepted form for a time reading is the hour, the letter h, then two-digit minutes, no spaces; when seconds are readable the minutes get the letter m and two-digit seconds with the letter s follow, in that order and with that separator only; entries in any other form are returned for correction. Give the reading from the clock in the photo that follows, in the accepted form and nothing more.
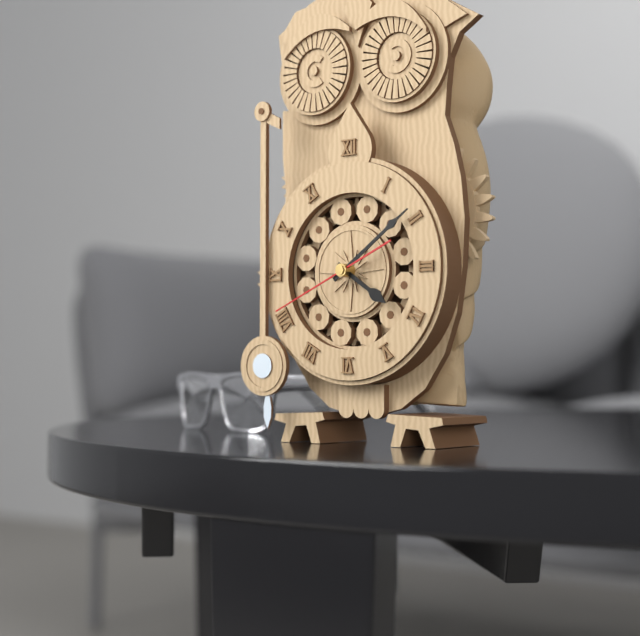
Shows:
4h09m41s
